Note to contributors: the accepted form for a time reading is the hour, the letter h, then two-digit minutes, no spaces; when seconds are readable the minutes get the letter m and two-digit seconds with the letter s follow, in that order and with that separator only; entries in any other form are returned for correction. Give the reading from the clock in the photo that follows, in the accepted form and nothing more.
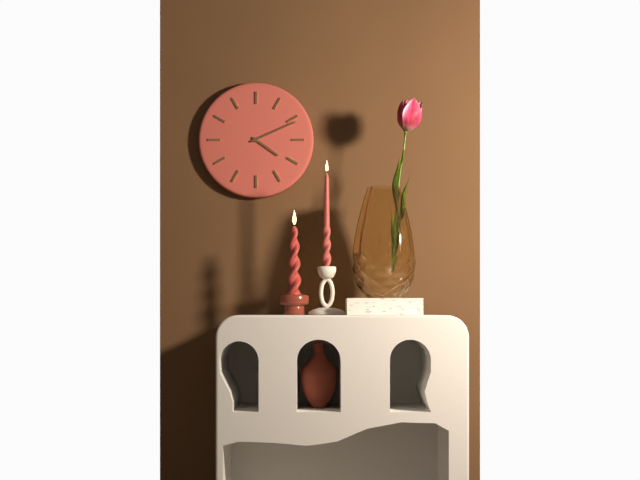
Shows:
4h11
